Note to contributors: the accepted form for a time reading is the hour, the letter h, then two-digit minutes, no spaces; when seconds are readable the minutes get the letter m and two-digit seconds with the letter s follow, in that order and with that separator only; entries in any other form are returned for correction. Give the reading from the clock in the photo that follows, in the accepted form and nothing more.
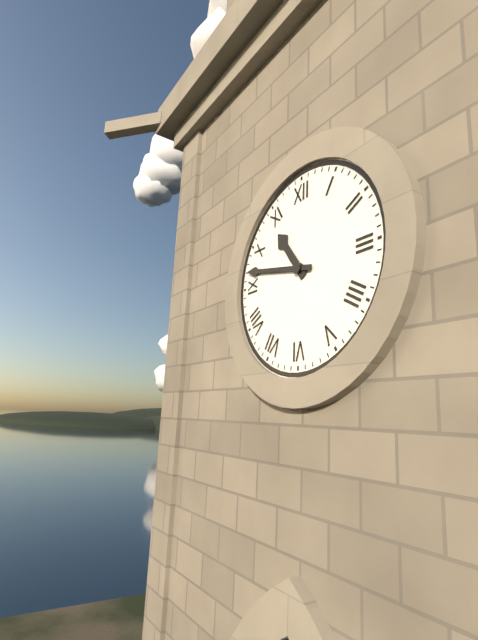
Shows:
10h47
